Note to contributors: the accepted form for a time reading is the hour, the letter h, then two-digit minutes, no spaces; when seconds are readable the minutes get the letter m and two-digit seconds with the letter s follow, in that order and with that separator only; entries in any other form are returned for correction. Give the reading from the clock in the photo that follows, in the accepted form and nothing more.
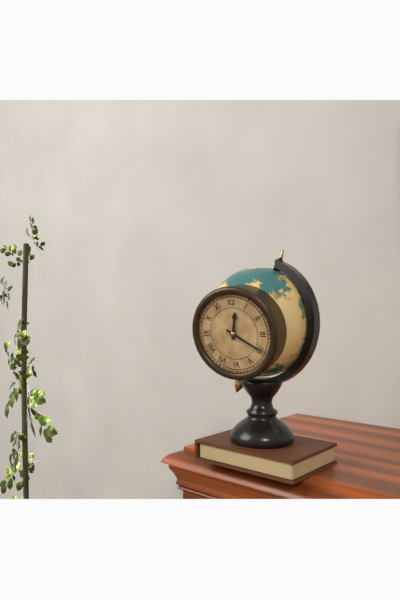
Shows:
12h20
